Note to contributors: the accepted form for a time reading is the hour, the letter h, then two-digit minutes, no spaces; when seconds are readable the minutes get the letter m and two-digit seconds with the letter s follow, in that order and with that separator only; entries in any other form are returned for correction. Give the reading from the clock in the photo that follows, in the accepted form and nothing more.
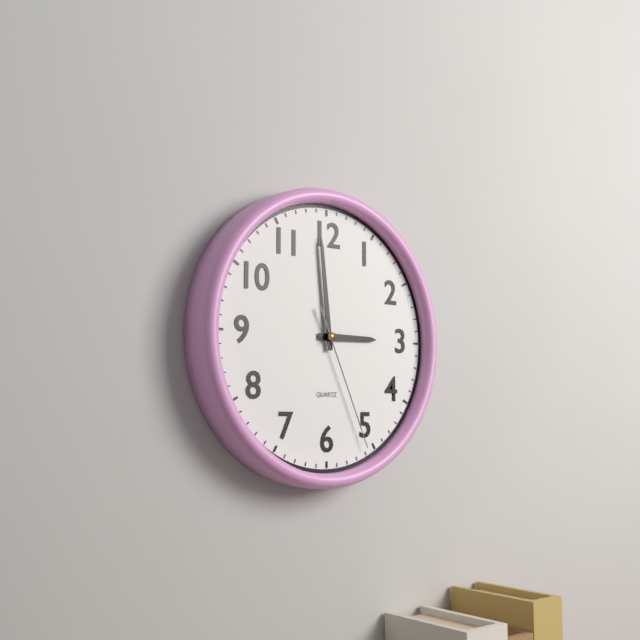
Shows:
2h59m26s
